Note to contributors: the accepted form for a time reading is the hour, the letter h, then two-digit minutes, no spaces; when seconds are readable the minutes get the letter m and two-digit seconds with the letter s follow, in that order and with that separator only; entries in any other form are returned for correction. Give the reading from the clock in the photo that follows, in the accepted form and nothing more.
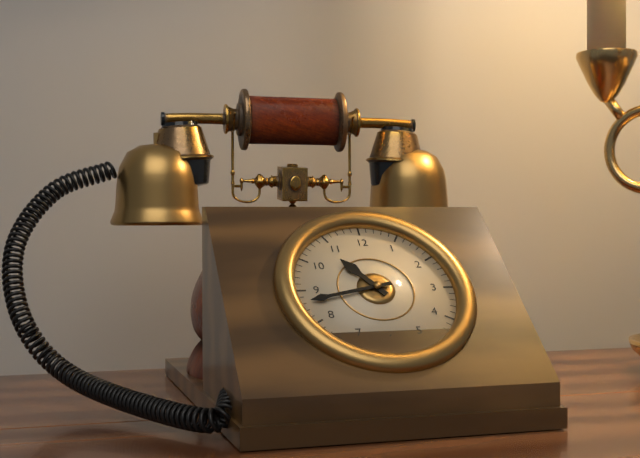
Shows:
10h43
